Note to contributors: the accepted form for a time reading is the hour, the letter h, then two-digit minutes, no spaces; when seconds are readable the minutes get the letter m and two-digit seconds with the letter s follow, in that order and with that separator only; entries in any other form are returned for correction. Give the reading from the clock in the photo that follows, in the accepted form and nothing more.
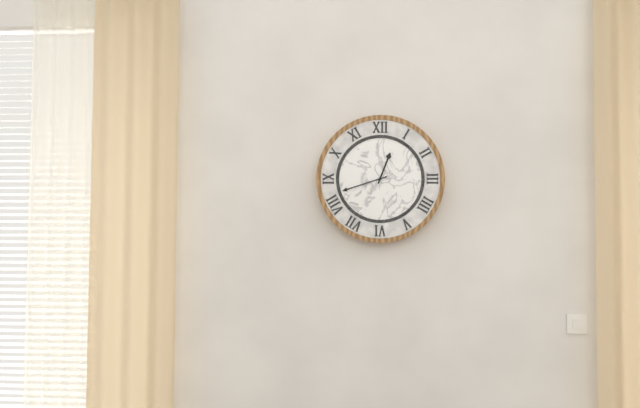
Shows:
12h42
